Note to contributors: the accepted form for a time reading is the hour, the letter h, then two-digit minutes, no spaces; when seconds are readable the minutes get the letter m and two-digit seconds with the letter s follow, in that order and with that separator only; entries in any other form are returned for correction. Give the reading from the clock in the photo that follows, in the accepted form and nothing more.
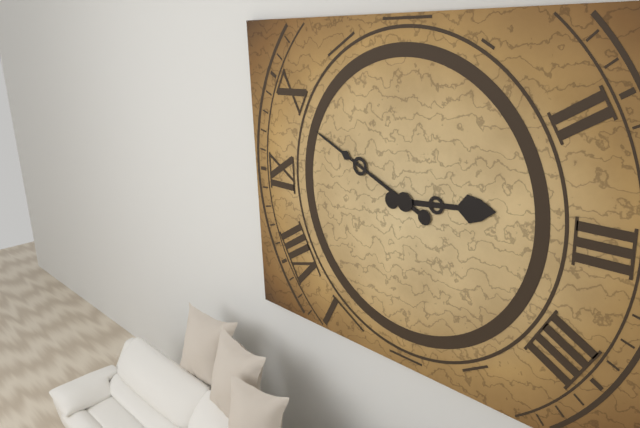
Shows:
2h49
